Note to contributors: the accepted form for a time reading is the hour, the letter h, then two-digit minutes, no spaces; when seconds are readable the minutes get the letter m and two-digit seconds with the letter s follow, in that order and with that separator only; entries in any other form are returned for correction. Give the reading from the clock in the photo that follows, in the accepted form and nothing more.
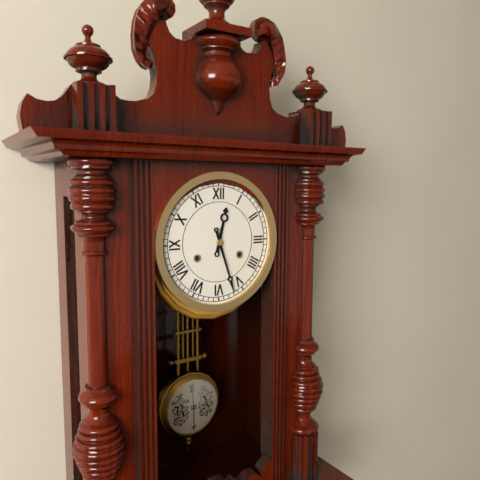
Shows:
12h27
